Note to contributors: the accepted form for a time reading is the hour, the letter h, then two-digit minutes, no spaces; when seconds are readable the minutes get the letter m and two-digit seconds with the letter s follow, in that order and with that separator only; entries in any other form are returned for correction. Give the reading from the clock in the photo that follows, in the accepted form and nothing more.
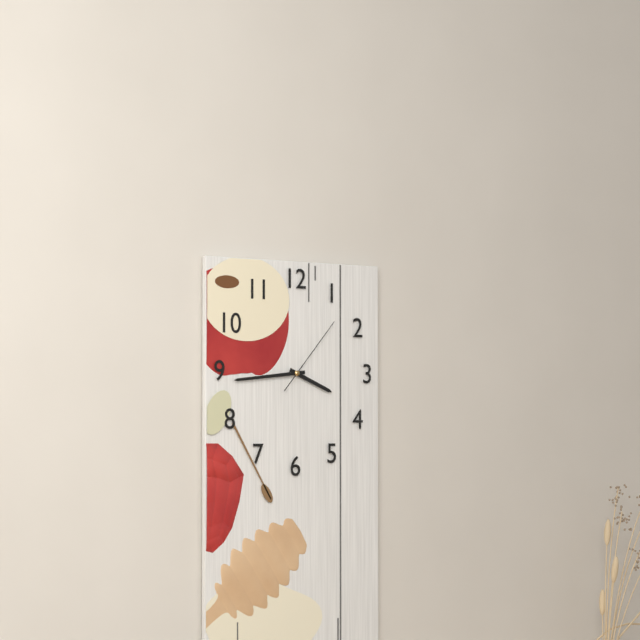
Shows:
3h44m07s
